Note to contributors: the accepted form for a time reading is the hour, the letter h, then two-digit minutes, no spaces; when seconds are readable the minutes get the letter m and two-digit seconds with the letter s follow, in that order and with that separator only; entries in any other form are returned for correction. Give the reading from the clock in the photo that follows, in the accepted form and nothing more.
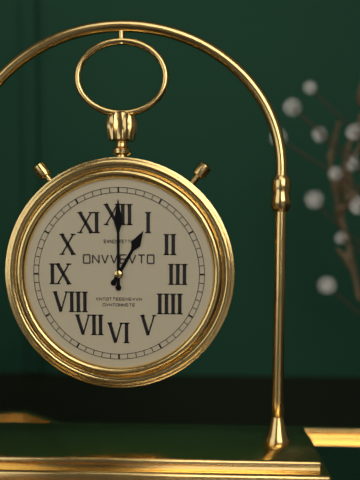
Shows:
1h00
